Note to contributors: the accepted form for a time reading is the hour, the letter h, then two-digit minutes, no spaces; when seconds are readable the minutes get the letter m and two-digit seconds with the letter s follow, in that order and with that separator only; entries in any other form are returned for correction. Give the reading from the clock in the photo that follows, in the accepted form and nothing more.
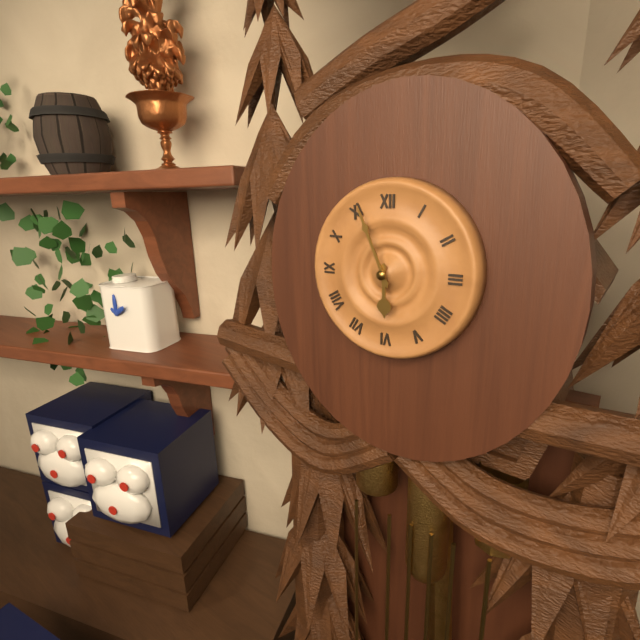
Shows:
5h56
